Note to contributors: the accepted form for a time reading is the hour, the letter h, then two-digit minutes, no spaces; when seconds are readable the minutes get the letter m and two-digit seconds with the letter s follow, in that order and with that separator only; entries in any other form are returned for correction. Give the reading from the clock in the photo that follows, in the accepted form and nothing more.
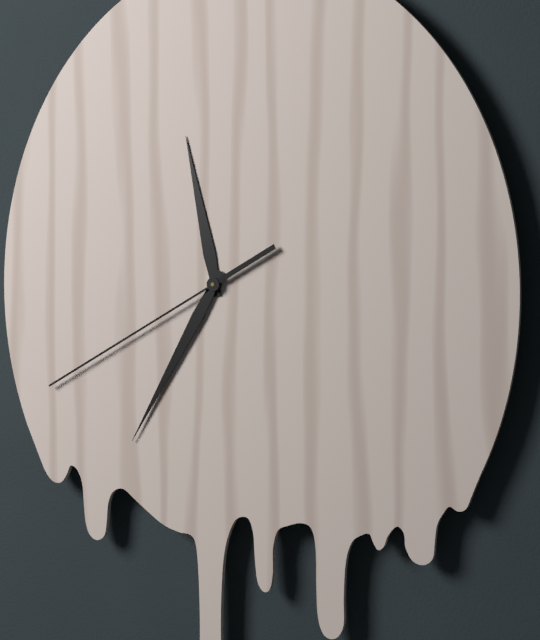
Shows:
11h35m40s
